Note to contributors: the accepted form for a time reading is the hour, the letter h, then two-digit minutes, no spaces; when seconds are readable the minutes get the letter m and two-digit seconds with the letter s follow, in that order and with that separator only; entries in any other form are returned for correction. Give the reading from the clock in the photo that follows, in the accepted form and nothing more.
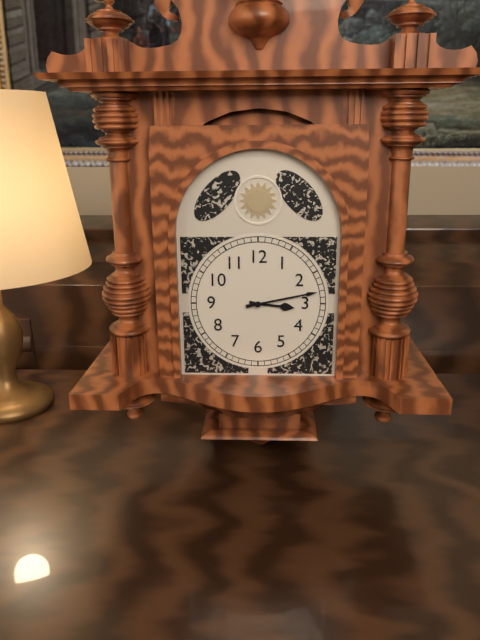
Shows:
3h13
